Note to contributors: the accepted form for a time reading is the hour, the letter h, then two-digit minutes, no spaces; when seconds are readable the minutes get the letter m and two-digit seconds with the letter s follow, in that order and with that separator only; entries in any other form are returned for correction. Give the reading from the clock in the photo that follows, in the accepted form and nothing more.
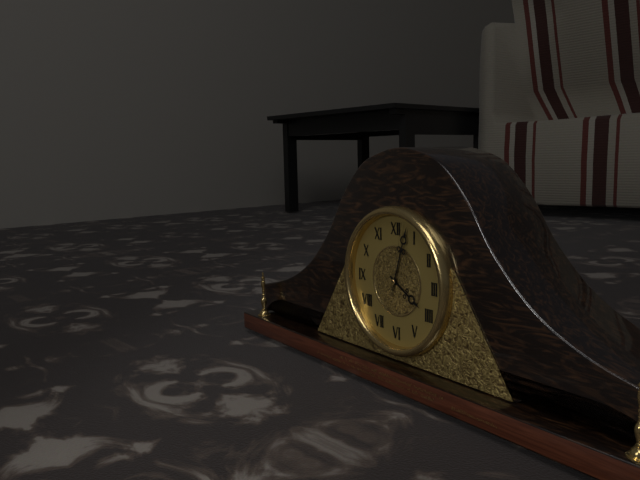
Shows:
4h03m02s
